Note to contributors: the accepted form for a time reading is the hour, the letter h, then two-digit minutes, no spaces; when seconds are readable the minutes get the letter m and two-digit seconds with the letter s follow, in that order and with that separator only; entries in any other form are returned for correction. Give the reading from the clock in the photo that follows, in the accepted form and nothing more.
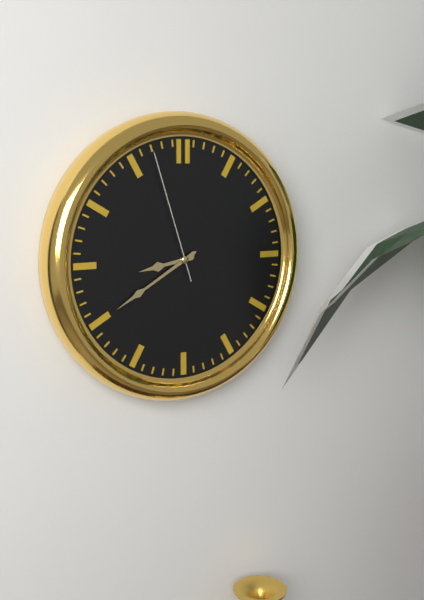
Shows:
8h40m57s
